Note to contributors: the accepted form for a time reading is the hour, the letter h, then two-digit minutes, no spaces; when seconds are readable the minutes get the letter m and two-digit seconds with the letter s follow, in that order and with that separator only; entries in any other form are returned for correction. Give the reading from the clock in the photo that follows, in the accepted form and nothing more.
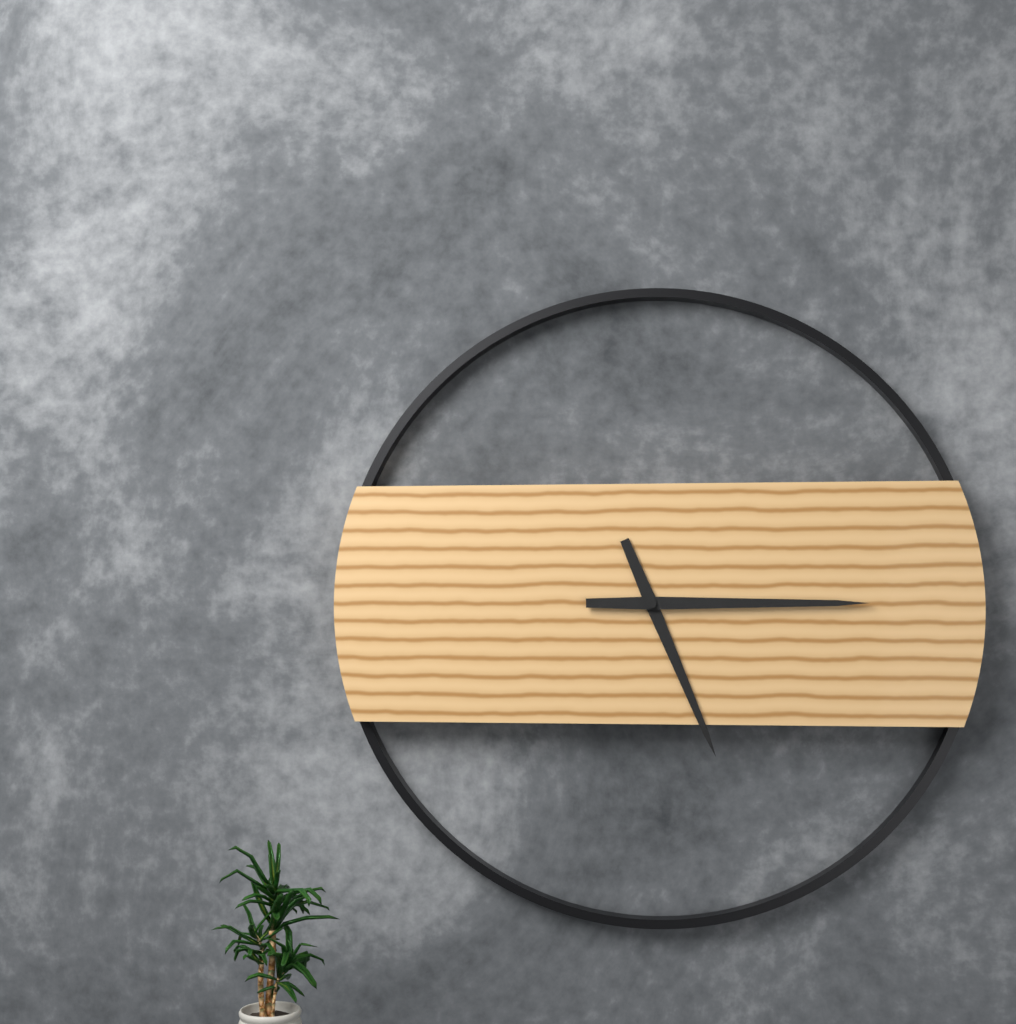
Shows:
5h15
